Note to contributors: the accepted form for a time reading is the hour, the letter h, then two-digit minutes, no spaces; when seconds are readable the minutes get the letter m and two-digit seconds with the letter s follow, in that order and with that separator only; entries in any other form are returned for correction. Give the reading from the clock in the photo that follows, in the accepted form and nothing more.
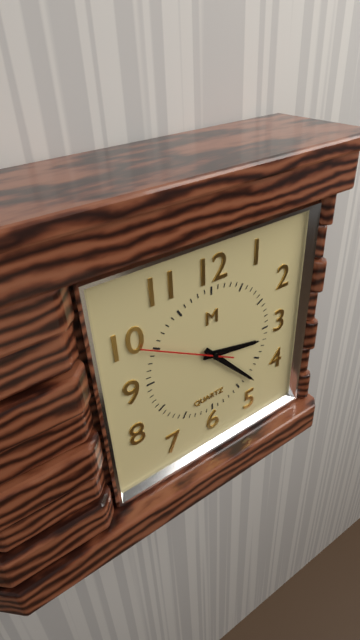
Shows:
3h23m50s
